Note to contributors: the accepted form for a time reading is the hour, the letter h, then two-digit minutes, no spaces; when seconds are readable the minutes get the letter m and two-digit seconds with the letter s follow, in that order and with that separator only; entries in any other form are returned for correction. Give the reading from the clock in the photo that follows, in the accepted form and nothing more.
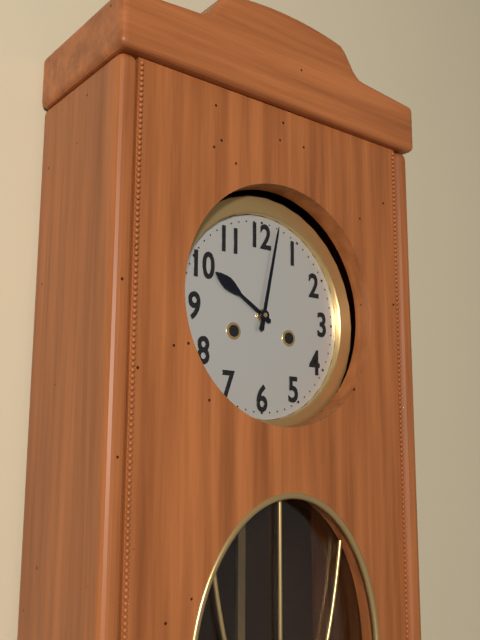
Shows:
10h02
